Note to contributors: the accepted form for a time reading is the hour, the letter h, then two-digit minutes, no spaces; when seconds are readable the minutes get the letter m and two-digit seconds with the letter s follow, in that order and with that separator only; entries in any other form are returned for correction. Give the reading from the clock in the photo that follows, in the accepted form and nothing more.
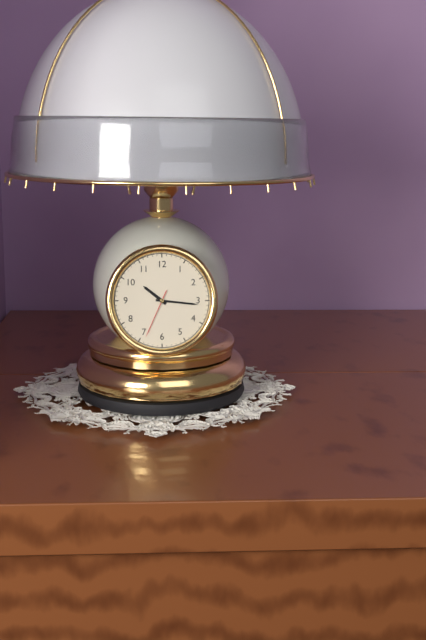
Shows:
10h16m34s
